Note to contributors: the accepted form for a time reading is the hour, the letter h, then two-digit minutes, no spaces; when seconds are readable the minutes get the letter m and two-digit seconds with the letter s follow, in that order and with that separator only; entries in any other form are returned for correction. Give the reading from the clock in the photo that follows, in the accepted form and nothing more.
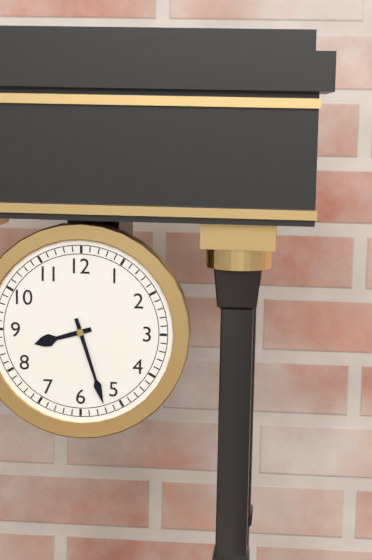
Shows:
8h27
